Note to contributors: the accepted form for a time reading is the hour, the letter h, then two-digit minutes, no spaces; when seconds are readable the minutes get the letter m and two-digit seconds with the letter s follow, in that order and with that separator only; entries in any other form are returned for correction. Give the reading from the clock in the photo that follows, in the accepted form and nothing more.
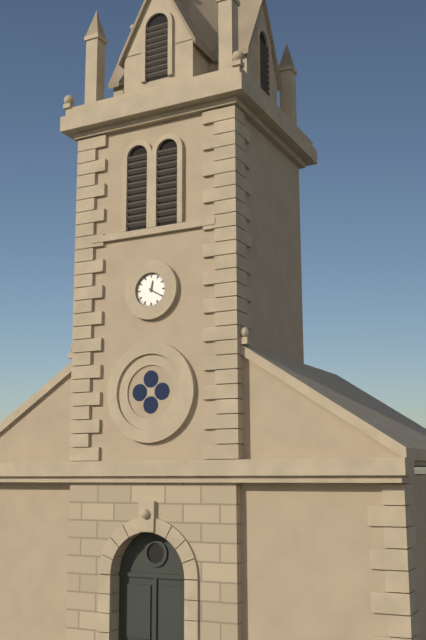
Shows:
12h20
